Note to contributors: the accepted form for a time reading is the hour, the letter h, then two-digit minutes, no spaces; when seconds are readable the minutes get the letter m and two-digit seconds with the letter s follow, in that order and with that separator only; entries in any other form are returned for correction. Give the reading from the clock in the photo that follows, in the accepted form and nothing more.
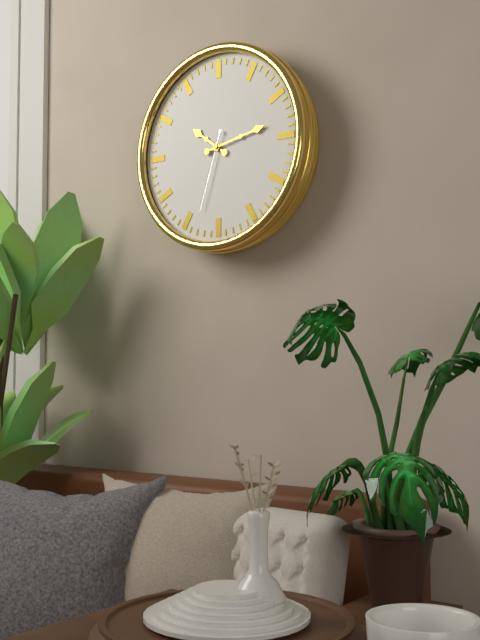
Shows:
10h13m33s
